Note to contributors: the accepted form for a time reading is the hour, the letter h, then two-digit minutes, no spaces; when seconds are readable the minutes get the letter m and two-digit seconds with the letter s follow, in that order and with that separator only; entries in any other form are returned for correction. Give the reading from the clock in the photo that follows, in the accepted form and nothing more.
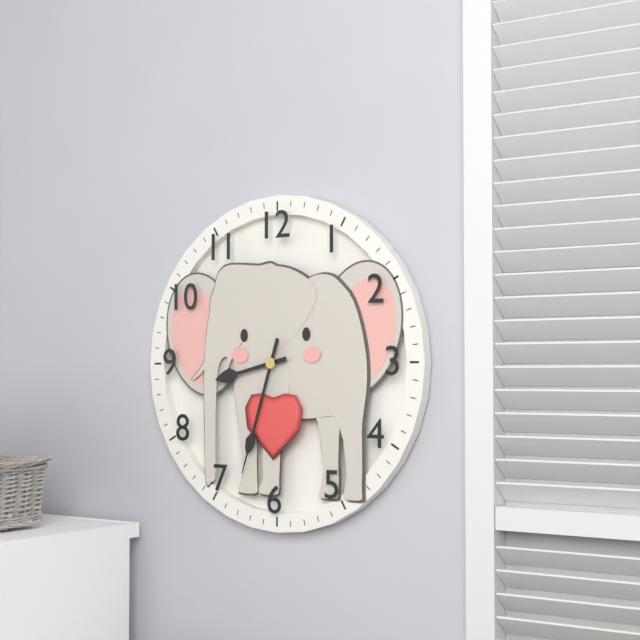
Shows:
8h33
